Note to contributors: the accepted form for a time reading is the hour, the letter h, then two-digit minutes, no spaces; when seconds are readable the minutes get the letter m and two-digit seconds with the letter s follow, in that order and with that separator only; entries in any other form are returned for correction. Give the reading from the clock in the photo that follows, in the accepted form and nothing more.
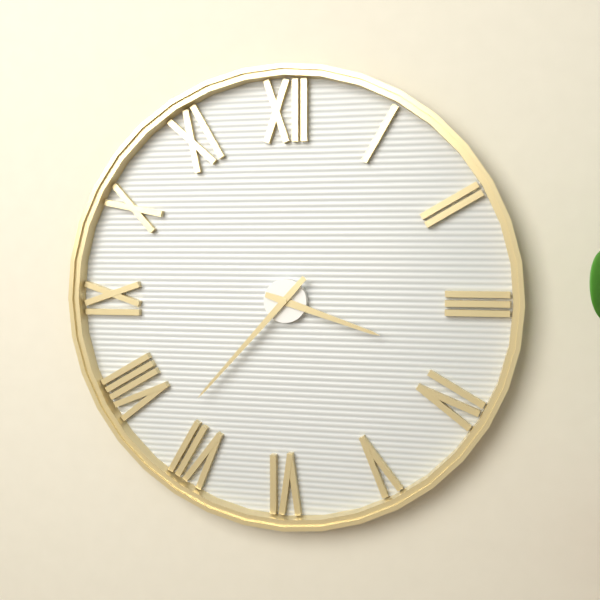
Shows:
3h37
